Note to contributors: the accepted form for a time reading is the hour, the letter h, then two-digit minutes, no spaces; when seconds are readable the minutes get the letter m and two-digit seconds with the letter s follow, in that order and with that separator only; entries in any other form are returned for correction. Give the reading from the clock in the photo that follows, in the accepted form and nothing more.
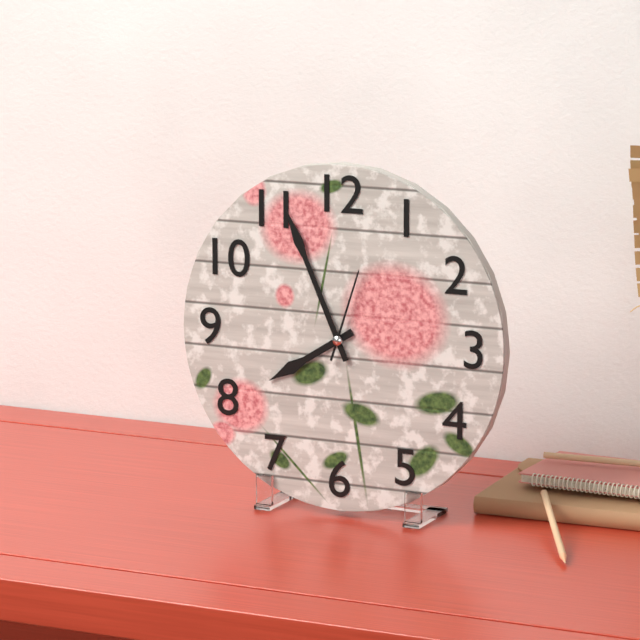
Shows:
7h56m03s
